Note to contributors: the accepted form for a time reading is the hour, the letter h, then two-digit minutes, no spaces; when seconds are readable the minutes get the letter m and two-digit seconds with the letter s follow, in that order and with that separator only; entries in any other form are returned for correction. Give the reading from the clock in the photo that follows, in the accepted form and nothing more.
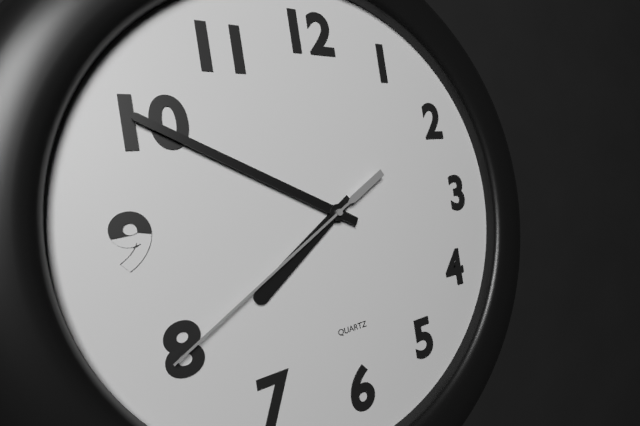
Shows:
7h50m40s
